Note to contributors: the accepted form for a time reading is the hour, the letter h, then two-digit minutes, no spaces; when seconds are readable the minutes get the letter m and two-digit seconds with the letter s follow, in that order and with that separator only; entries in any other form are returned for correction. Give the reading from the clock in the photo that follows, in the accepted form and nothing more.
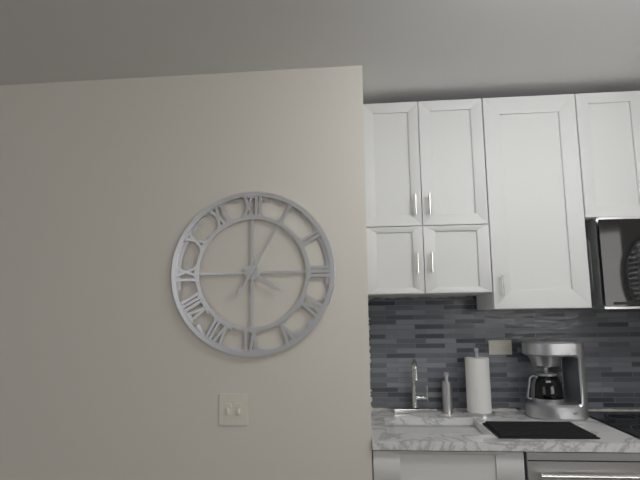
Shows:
4h05
